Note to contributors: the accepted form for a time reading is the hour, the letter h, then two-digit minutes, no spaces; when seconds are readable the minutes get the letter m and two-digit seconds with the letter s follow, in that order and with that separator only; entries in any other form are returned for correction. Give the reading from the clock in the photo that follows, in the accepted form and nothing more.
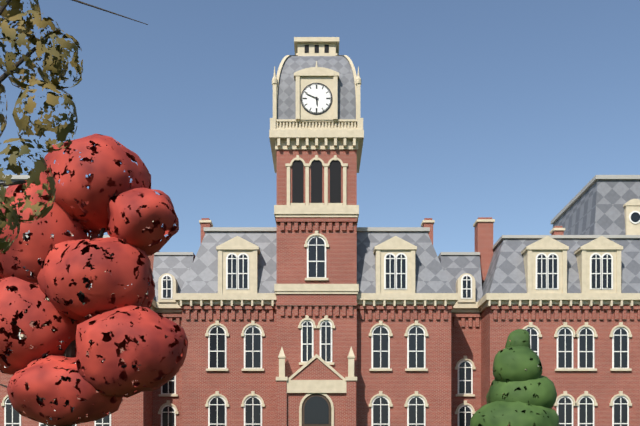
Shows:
5h49
